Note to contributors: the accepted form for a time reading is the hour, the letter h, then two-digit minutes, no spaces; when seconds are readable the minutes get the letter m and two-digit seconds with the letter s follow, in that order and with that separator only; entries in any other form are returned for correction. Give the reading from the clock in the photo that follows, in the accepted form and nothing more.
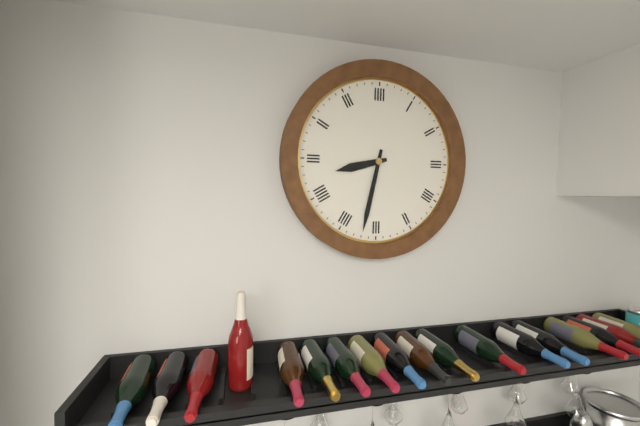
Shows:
8h32
